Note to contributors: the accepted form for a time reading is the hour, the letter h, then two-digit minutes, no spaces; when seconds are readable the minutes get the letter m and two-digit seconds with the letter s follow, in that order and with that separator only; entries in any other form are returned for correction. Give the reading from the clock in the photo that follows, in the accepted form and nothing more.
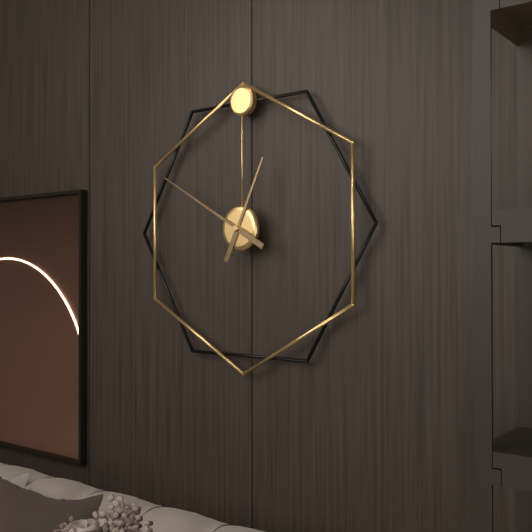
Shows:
12h50
